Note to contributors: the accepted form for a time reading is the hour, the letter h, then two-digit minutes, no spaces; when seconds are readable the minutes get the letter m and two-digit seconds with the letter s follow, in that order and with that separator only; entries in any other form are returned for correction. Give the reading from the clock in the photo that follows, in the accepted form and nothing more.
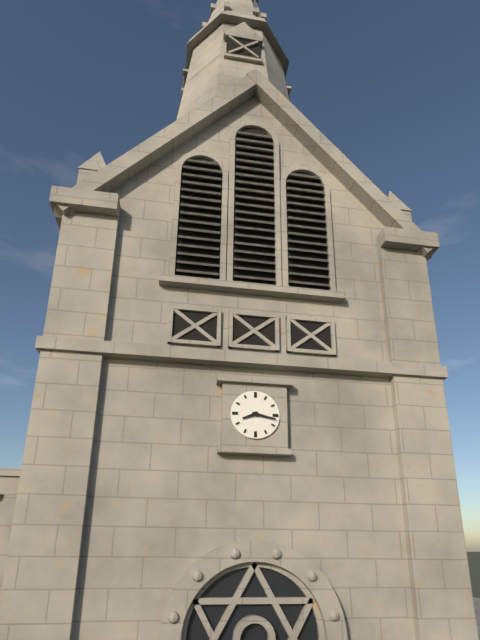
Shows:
8h17
